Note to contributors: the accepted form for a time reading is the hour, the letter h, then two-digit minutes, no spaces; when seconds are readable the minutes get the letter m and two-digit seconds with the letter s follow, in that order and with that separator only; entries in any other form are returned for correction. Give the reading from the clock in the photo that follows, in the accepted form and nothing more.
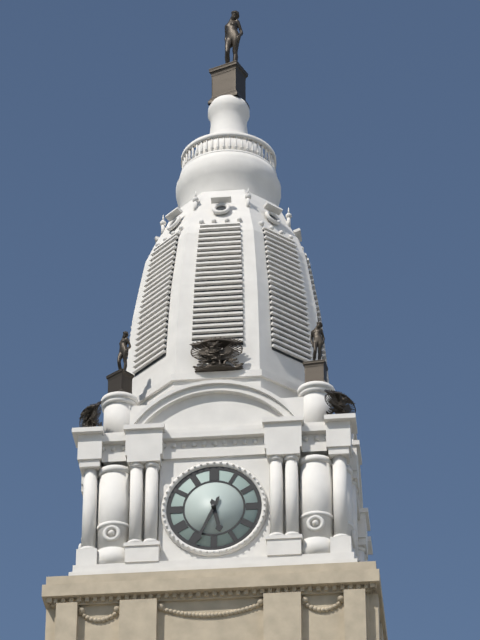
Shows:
5h34
